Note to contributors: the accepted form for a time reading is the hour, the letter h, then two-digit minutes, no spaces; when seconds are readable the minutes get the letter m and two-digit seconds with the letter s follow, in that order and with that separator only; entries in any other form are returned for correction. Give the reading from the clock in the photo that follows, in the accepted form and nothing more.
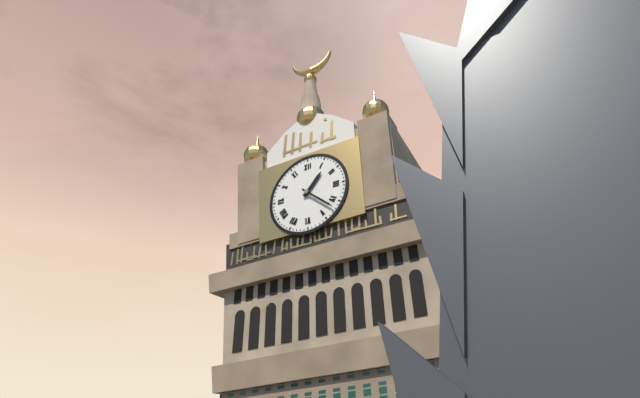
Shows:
1h22
